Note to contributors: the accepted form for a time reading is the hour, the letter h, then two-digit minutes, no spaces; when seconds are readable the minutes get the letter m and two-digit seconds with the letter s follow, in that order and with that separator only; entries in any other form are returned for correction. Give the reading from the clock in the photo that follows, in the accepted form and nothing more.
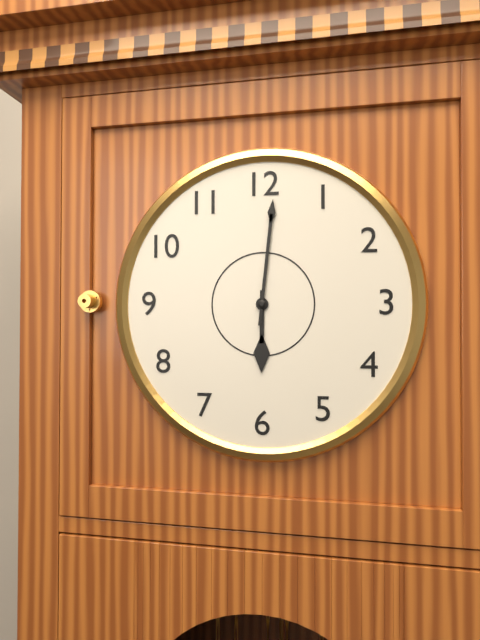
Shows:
6h01
